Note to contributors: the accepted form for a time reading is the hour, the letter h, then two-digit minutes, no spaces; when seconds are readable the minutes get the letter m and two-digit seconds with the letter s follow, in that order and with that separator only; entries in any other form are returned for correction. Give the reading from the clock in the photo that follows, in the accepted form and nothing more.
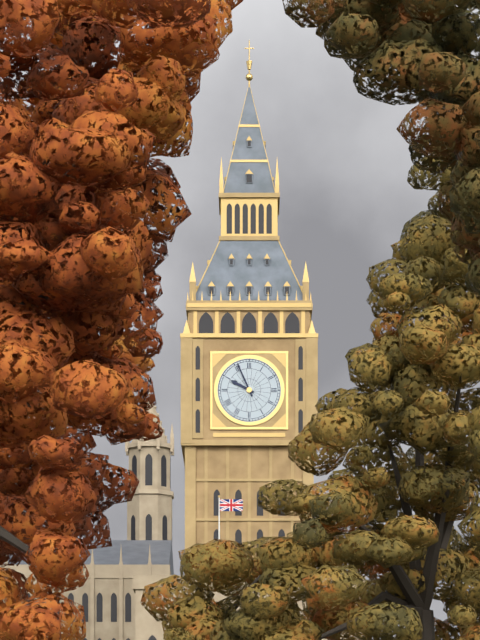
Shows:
9h56
